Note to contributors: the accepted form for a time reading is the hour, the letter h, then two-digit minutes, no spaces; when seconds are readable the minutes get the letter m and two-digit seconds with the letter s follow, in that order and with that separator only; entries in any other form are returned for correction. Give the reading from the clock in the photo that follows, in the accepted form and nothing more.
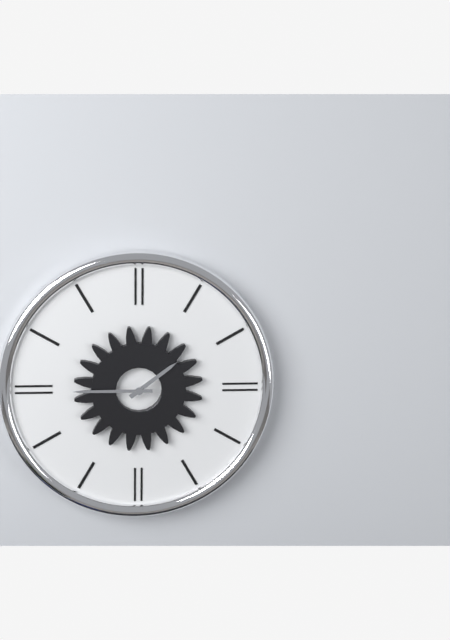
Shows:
1h45
